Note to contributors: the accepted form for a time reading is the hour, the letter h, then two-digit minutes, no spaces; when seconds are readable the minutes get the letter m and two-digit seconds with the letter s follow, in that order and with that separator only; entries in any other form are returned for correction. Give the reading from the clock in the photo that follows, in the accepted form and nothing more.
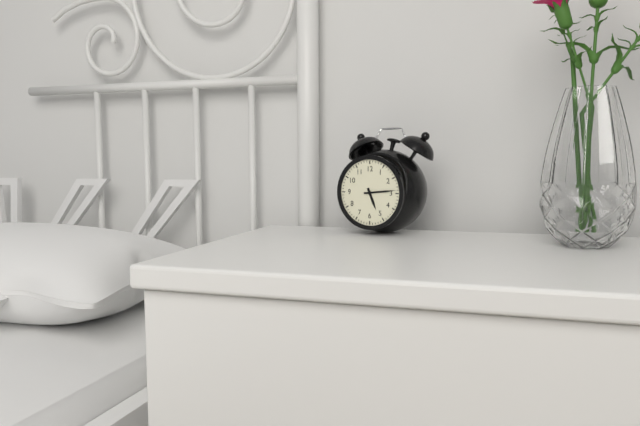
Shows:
5h14
